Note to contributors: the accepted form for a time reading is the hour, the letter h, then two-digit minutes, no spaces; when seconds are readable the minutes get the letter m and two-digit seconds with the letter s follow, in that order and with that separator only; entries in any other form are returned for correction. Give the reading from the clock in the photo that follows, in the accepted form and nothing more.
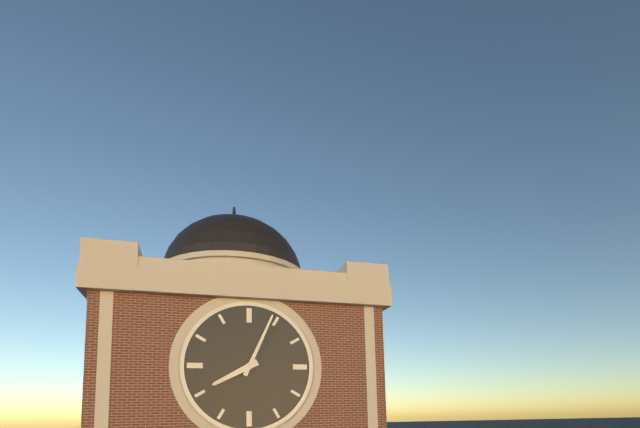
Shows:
8h04
